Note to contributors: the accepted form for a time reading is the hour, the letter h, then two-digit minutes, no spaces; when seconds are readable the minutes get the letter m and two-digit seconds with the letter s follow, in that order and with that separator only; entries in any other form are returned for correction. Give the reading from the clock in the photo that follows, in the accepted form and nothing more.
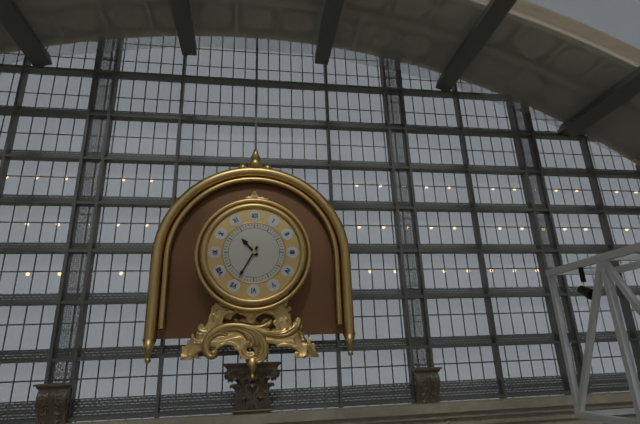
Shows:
10h35
